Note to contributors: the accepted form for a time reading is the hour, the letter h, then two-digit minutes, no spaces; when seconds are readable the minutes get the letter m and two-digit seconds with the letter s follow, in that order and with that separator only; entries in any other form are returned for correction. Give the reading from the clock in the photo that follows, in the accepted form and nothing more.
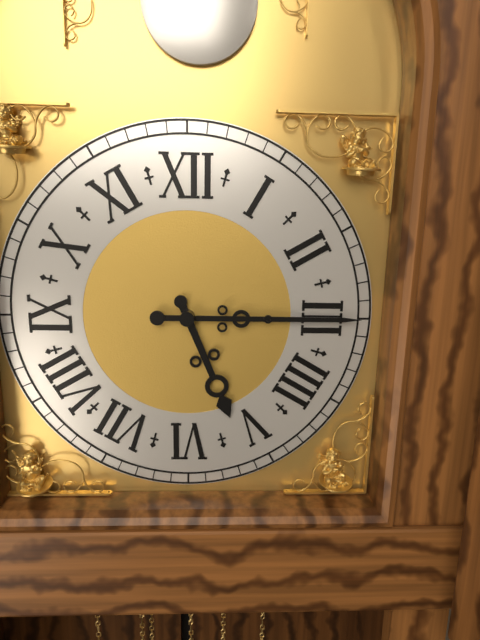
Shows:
5h15
